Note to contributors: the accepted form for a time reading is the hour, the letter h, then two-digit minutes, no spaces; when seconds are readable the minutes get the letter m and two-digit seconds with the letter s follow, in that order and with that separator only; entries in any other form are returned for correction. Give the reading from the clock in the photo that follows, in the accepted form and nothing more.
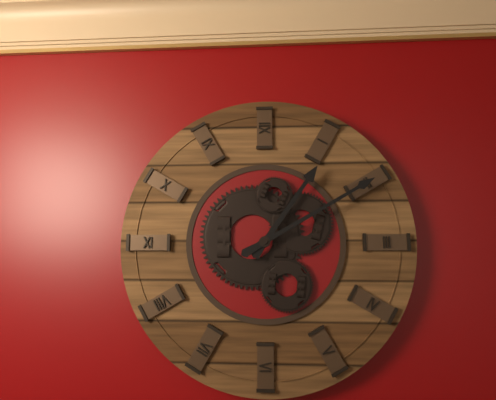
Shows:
1h10
